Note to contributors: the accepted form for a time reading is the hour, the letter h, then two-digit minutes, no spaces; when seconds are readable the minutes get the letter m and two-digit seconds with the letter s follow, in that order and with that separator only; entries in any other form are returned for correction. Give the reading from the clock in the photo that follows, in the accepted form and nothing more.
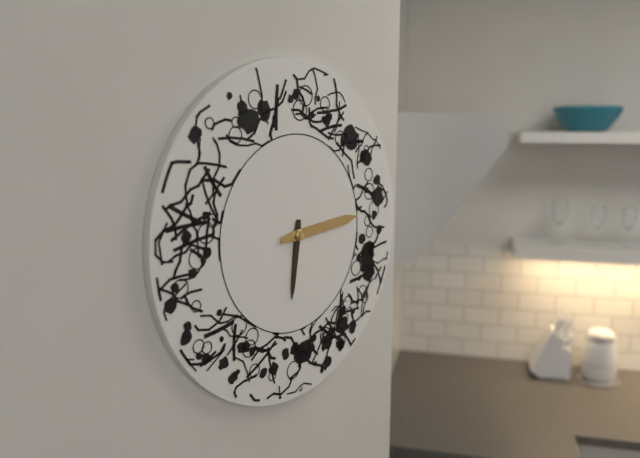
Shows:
6h14
